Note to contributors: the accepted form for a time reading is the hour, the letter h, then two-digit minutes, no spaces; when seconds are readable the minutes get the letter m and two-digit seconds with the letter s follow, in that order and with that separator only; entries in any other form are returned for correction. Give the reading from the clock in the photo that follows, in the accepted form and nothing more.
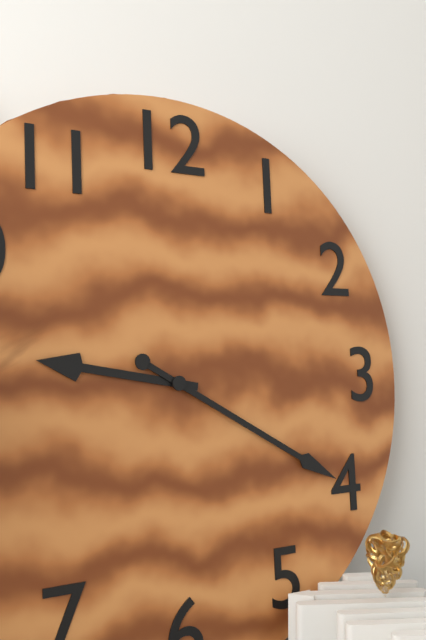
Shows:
9h20
